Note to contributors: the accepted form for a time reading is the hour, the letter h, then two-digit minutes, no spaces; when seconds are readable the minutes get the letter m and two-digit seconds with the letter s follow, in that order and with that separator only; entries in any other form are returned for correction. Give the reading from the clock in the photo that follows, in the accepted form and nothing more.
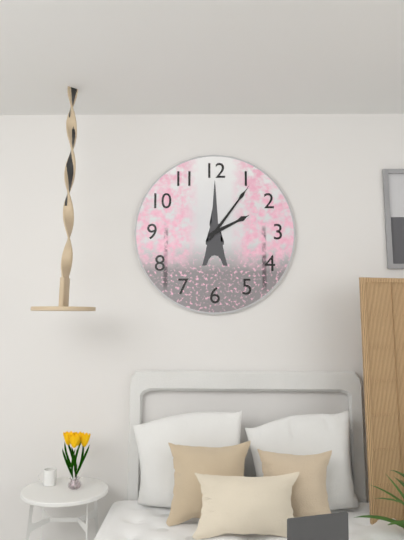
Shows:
2h06
